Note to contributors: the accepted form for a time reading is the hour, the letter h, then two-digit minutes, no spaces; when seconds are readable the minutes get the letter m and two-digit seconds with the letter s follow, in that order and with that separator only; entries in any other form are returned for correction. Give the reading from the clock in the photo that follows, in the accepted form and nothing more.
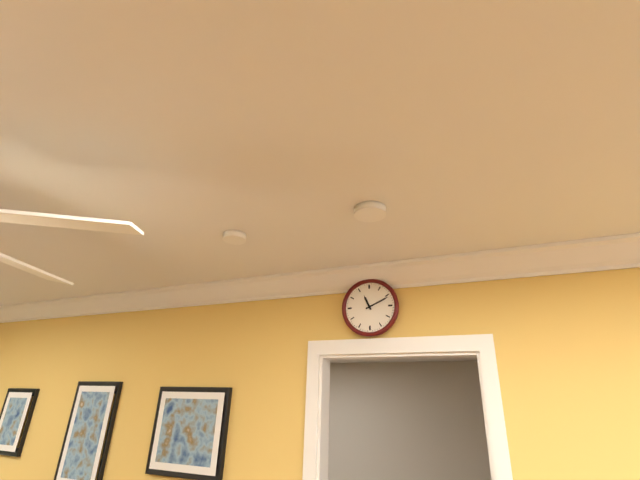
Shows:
11h11
